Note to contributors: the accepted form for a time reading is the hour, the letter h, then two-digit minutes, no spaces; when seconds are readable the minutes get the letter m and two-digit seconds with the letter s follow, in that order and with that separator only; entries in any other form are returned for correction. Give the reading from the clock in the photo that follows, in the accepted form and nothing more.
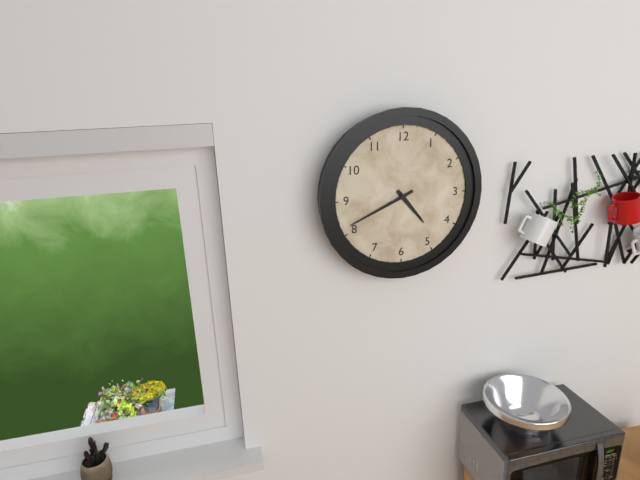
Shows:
4h41
